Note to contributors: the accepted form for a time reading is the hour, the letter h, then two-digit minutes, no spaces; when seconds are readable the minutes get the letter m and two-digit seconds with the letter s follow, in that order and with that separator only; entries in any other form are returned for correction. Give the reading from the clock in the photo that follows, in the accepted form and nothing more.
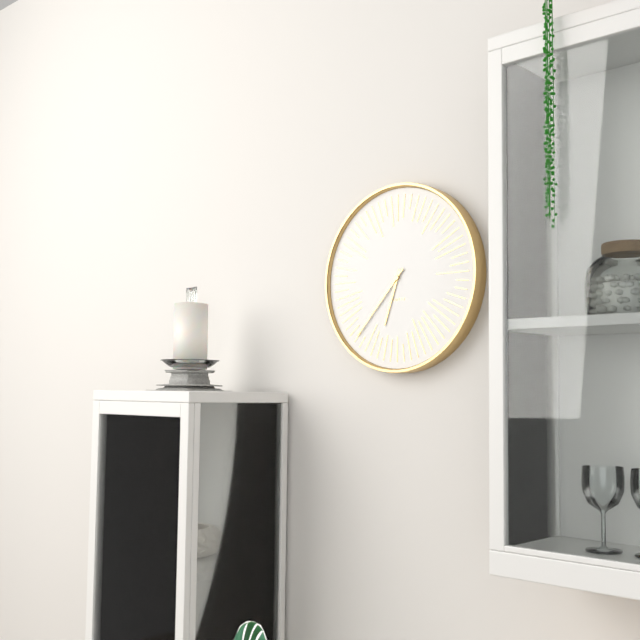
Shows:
6h37
